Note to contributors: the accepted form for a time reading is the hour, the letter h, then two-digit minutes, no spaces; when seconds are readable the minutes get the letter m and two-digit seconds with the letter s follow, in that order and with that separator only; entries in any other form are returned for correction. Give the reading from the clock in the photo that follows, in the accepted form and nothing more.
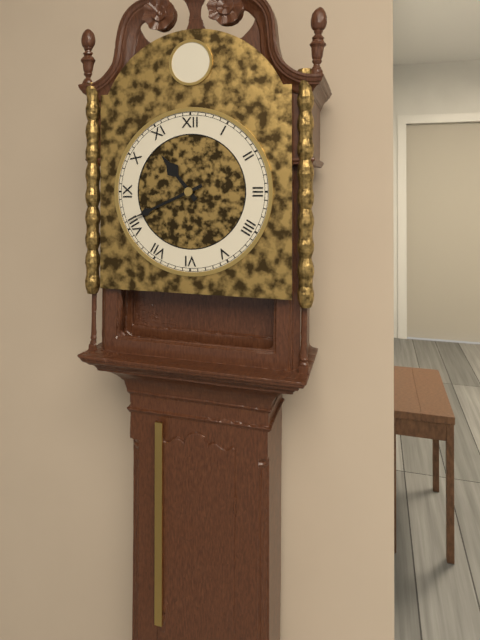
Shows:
10h41
